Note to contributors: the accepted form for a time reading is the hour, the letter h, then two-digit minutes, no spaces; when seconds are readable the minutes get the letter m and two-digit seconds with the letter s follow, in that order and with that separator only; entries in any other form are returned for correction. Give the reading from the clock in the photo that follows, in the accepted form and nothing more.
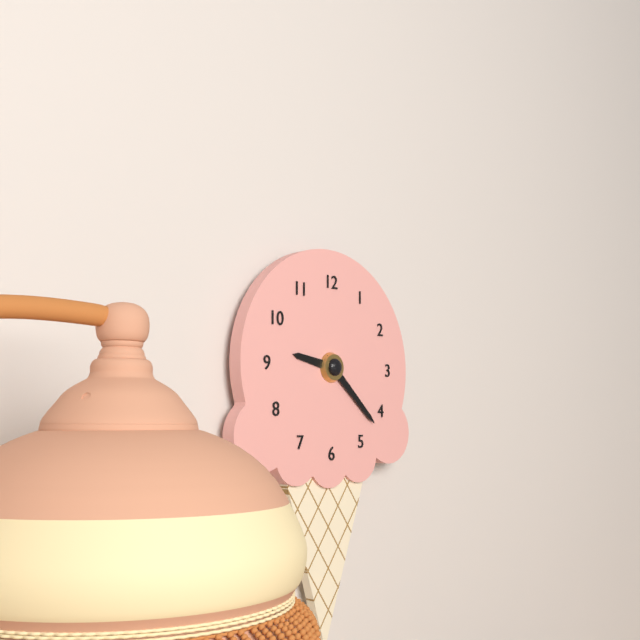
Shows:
9h22
